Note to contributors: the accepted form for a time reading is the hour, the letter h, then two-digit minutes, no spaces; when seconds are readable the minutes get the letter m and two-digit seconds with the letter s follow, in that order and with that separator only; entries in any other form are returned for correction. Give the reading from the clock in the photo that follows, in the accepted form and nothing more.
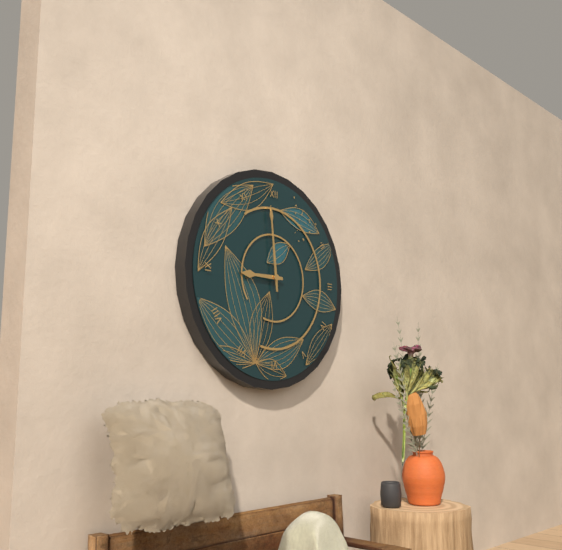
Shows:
8h59
